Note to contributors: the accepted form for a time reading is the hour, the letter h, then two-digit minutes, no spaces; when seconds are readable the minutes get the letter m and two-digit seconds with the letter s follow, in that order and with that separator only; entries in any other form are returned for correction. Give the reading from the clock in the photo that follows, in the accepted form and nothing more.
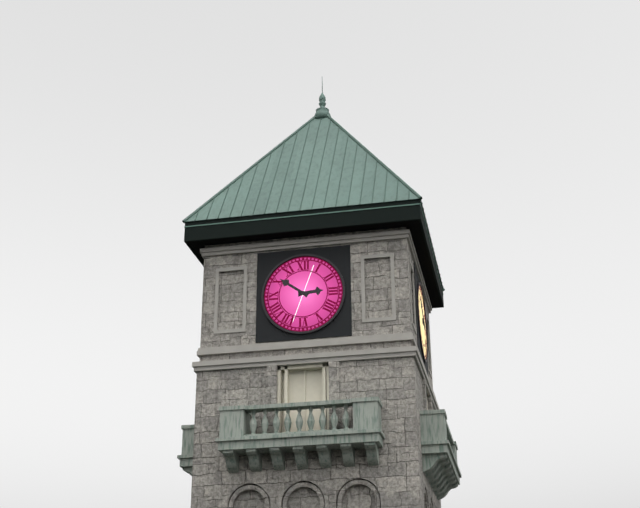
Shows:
2h51
